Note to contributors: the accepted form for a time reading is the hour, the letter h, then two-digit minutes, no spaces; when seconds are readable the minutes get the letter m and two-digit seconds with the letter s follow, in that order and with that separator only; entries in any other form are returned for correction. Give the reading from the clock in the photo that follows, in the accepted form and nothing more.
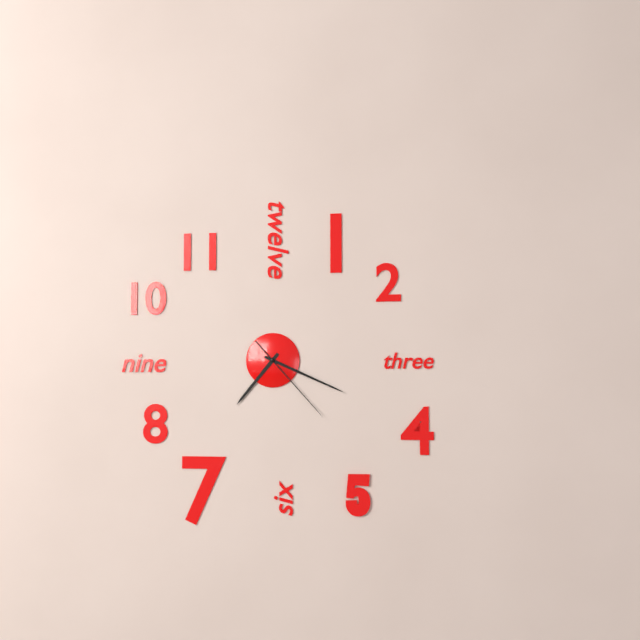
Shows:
7h19m23s
